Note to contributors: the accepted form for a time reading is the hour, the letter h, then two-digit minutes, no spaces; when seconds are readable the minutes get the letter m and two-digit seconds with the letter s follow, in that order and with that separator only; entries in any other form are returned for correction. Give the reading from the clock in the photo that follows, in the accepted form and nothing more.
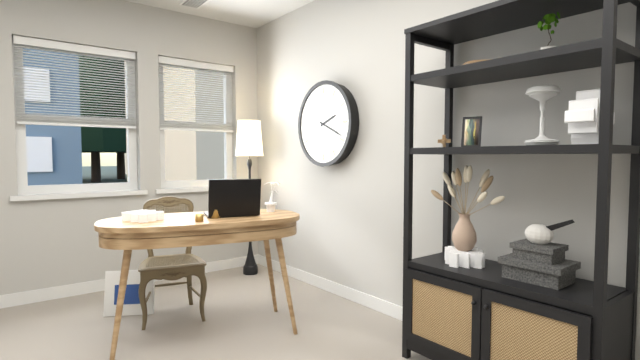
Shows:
2h19
